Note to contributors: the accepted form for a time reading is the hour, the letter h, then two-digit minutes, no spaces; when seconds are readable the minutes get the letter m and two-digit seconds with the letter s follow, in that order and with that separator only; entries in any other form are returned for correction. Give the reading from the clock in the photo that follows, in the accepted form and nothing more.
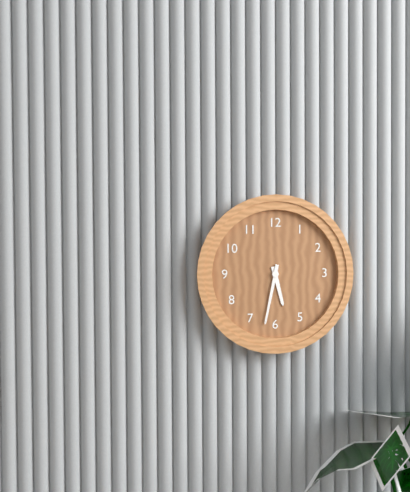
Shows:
5h32
